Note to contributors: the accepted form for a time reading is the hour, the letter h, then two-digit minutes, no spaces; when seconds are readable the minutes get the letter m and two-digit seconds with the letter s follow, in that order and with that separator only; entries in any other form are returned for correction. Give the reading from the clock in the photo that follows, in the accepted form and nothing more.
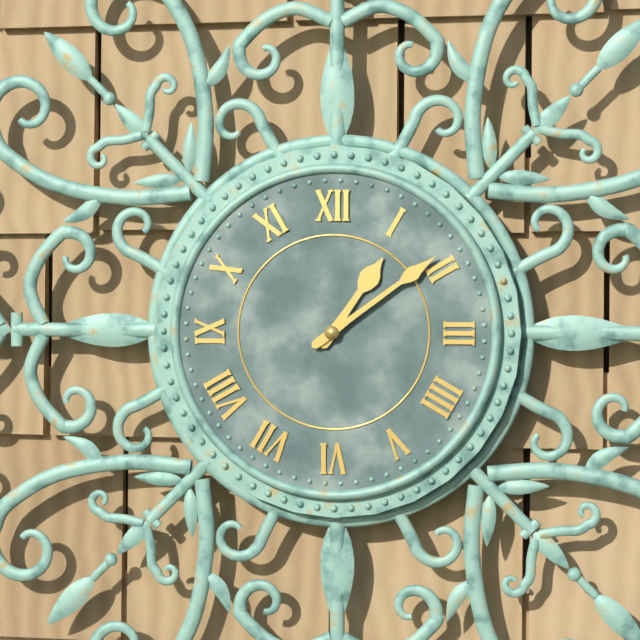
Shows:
1h09
